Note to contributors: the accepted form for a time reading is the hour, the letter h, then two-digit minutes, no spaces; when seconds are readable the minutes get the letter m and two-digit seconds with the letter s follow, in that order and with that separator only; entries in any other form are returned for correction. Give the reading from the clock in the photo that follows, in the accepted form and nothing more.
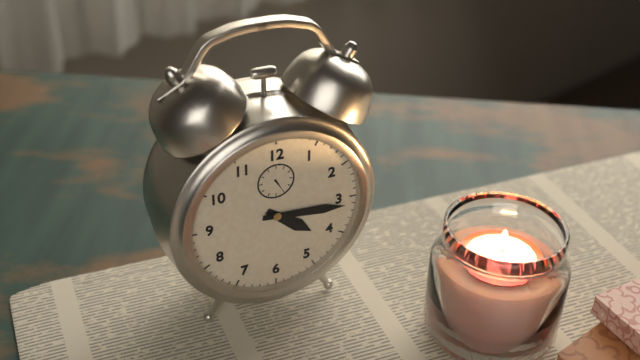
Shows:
4h16
